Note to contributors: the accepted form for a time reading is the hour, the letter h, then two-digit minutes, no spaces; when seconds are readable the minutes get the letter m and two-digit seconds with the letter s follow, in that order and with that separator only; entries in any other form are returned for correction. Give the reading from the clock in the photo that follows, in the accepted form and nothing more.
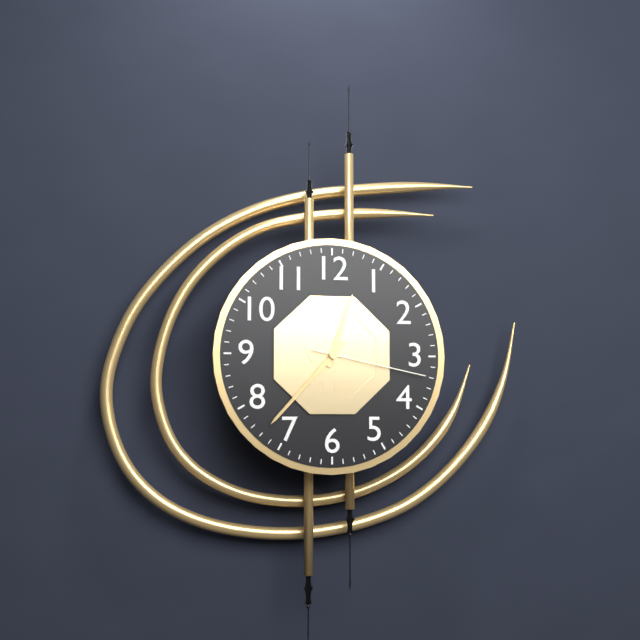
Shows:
12h37m17s
